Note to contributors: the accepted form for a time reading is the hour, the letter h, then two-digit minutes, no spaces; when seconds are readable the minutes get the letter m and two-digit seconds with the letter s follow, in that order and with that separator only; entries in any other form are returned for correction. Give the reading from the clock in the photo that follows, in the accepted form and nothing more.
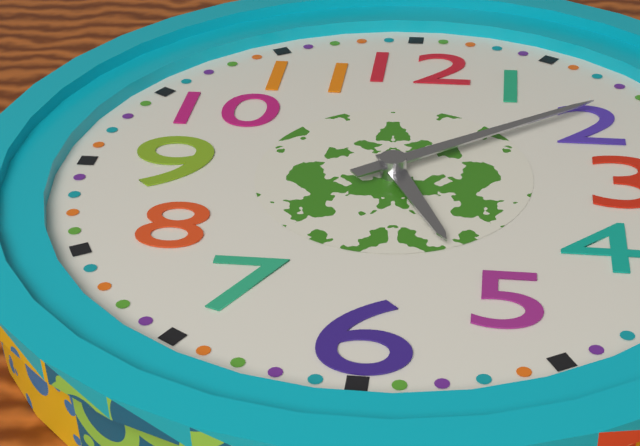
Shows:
5h09
